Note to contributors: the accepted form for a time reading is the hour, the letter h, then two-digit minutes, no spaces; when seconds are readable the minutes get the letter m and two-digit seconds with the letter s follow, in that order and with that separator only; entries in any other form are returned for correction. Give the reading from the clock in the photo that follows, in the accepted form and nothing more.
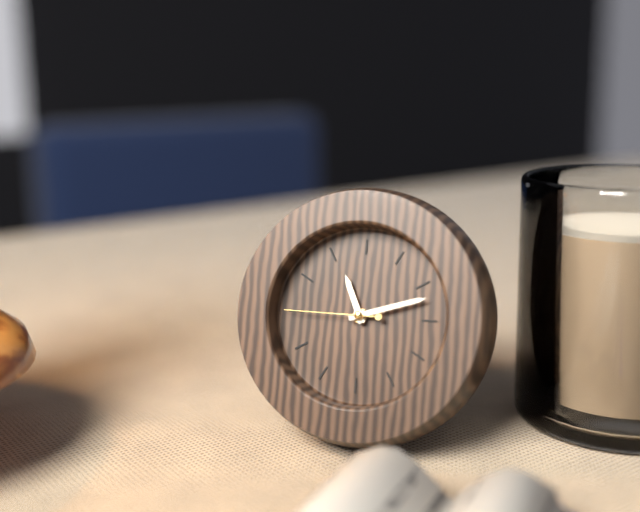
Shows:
11h12m45s
